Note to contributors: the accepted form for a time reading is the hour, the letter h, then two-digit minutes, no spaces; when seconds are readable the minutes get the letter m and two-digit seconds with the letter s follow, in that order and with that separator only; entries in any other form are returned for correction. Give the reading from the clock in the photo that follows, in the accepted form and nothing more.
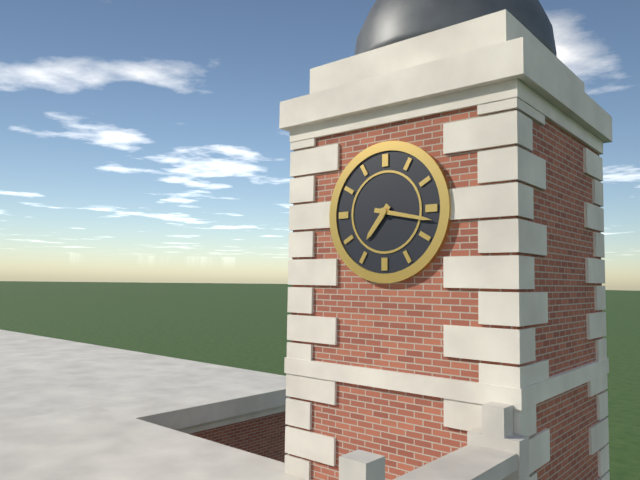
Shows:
7h17
